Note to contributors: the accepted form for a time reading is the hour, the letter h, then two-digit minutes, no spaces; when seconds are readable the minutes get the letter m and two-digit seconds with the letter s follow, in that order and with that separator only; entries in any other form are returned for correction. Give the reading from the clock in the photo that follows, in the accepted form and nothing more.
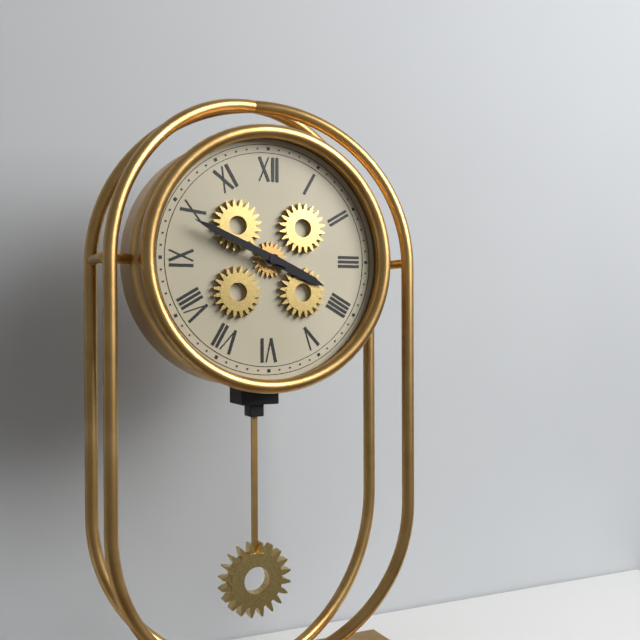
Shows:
3h49
